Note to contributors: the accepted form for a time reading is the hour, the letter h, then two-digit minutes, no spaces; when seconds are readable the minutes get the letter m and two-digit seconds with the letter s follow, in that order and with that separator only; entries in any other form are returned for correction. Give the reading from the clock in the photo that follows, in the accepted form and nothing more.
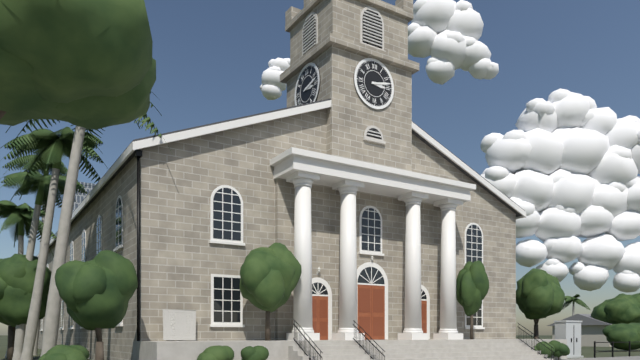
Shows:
3h13
